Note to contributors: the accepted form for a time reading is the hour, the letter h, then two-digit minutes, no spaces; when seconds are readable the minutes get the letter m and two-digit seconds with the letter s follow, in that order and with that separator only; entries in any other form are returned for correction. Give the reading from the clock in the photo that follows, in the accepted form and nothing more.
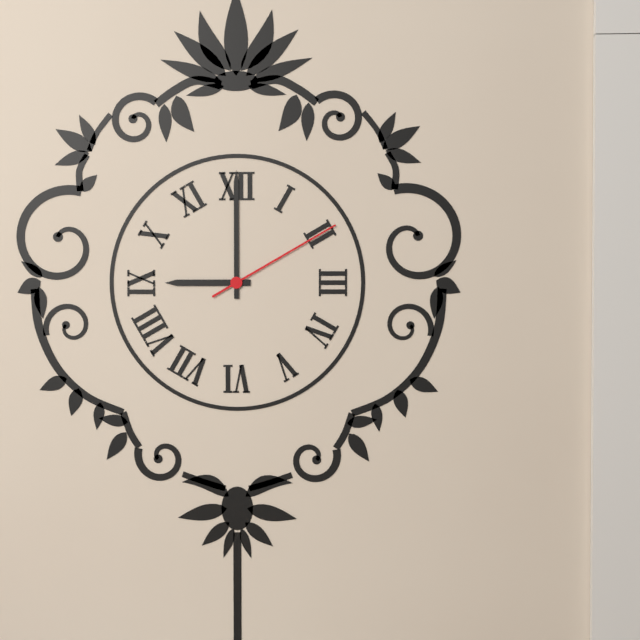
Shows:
9h00m10s
